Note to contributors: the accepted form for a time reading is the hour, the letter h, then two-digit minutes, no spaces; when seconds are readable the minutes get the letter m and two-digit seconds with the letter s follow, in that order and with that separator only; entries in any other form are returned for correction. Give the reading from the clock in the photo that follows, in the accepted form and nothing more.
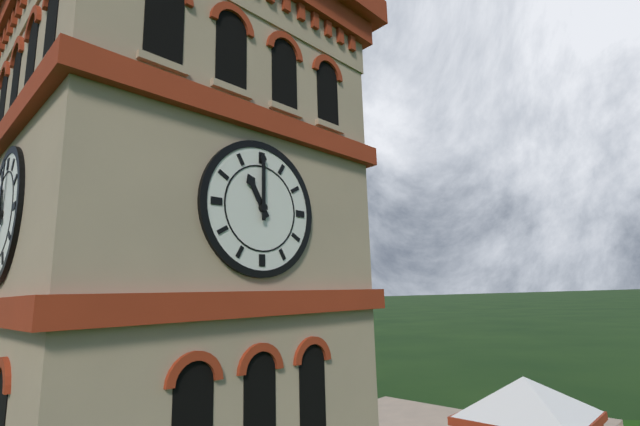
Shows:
11h00
